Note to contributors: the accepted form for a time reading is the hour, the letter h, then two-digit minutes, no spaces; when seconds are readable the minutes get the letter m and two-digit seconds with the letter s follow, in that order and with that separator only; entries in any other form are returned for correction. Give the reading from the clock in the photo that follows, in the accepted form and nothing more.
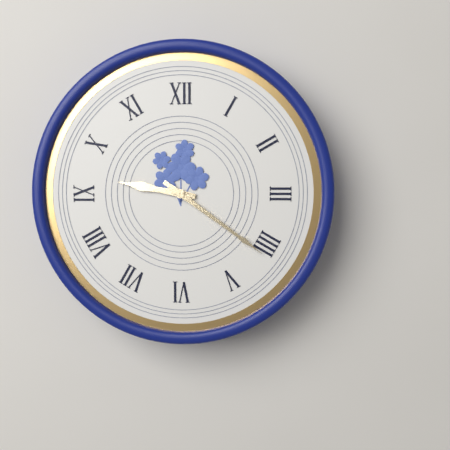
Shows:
9h21
